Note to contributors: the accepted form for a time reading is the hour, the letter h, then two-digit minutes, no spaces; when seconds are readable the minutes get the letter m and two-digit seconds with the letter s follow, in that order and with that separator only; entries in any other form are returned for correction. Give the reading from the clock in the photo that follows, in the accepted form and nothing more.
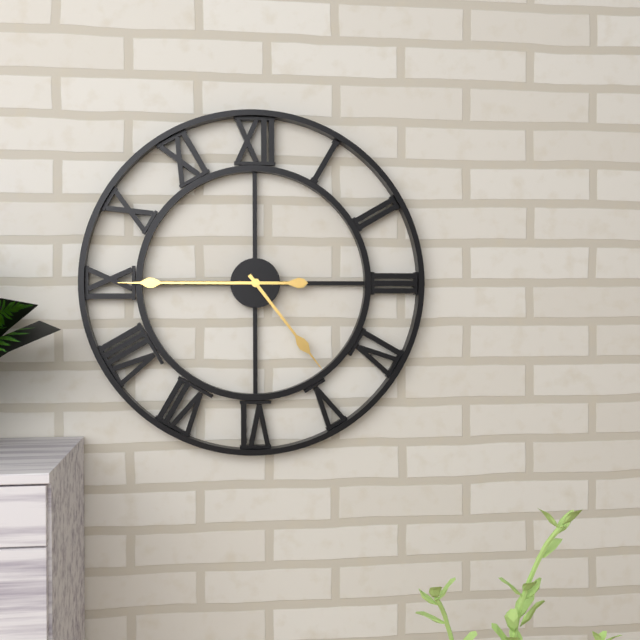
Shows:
4h45
